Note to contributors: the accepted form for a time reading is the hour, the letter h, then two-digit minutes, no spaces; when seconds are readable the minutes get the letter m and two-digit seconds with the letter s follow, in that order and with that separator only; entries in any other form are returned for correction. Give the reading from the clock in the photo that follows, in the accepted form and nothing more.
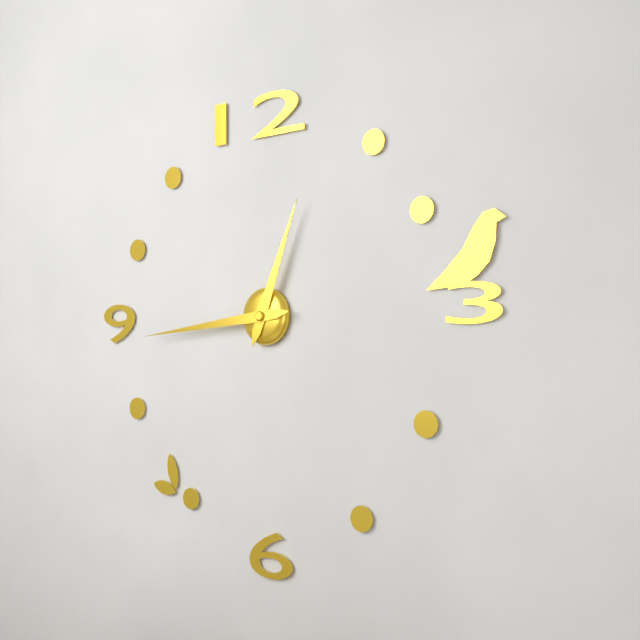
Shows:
12h44
